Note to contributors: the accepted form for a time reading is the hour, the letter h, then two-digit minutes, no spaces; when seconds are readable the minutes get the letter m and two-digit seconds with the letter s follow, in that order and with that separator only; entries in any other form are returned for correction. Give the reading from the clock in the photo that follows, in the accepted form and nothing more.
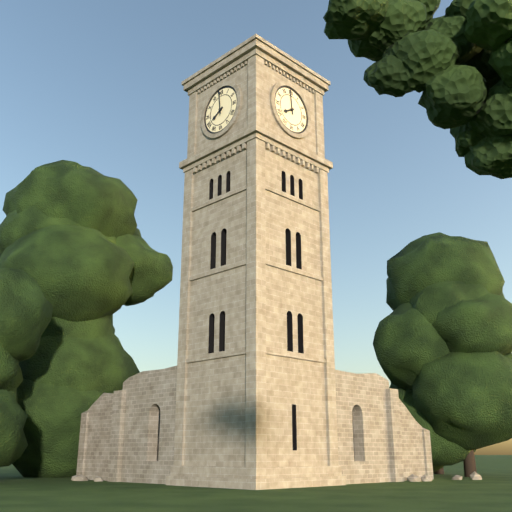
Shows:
7h59
